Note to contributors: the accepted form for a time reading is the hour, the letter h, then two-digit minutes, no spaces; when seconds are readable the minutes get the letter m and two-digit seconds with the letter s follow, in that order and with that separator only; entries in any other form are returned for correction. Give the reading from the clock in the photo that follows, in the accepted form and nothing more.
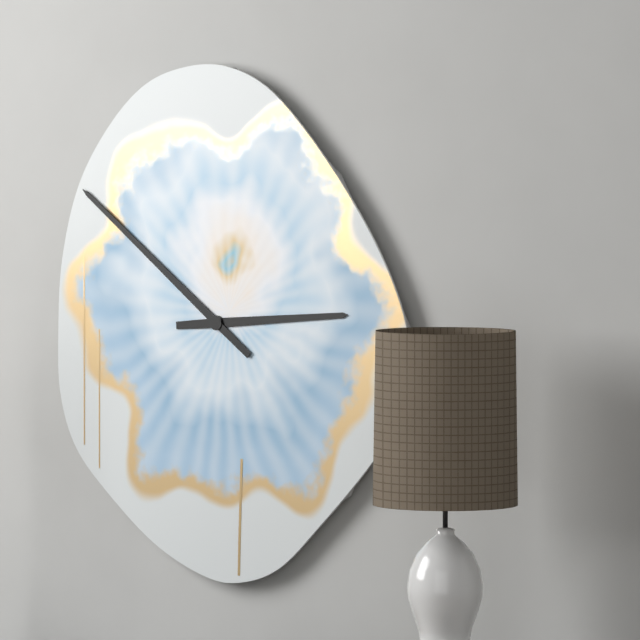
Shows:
2h51
